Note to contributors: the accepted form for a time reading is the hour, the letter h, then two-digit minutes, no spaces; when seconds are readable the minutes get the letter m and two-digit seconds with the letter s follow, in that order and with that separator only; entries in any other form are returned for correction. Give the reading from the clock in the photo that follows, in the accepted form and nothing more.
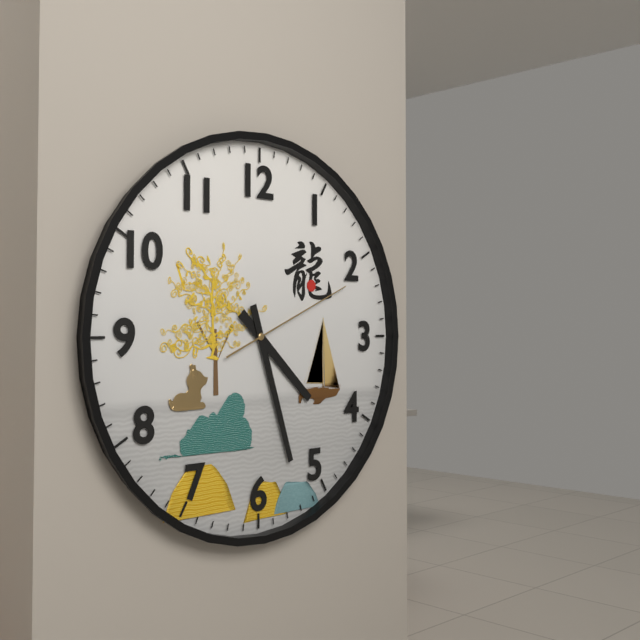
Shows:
4h27m11s
